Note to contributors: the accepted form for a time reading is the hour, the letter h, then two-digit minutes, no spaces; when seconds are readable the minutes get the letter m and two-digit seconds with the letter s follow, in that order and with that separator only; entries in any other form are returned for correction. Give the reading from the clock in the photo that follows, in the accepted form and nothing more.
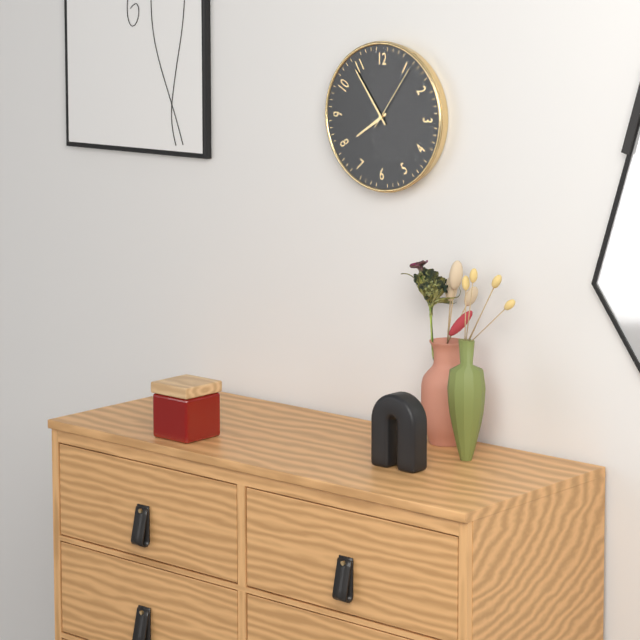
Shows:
7h54m06s
